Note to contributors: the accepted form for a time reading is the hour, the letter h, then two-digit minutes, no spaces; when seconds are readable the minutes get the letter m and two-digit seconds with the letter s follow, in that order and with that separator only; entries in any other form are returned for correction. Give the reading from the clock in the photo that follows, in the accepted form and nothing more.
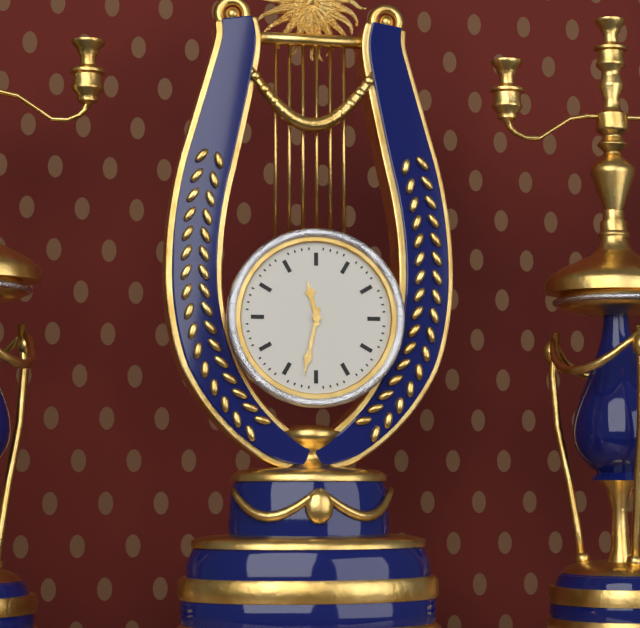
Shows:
11h32
